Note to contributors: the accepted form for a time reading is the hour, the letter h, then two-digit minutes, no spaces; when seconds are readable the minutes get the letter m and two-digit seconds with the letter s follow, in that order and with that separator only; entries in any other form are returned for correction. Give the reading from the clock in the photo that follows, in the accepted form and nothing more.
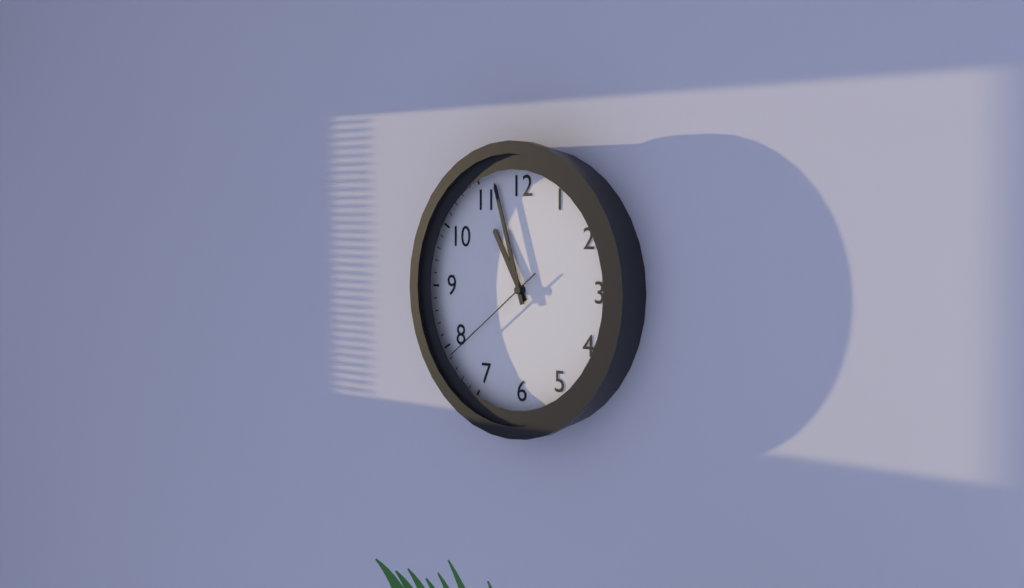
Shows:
10h57m39s
